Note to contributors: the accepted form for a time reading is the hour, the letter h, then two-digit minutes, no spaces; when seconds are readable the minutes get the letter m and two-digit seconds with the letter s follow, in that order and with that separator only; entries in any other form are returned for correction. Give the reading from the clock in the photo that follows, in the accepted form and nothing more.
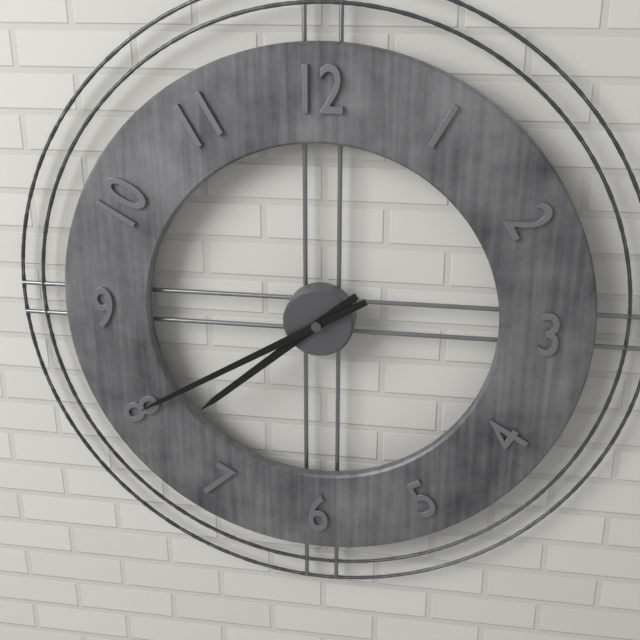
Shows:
7h40
